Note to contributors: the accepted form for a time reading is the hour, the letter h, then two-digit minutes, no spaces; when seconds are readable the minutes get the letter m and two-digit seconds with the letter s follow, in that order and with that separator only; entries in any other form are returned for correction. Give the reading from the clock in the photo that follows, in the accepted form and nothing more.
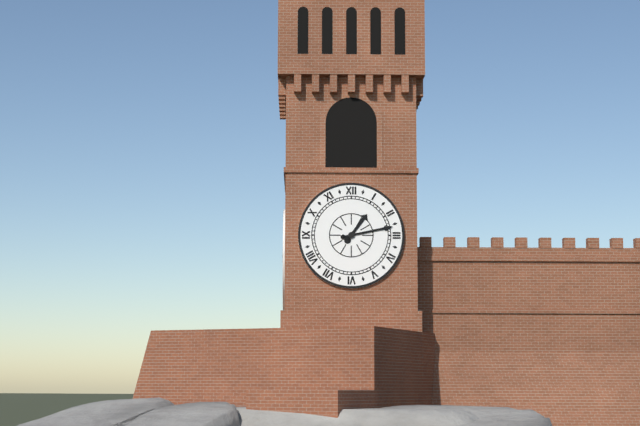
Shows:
1h13
